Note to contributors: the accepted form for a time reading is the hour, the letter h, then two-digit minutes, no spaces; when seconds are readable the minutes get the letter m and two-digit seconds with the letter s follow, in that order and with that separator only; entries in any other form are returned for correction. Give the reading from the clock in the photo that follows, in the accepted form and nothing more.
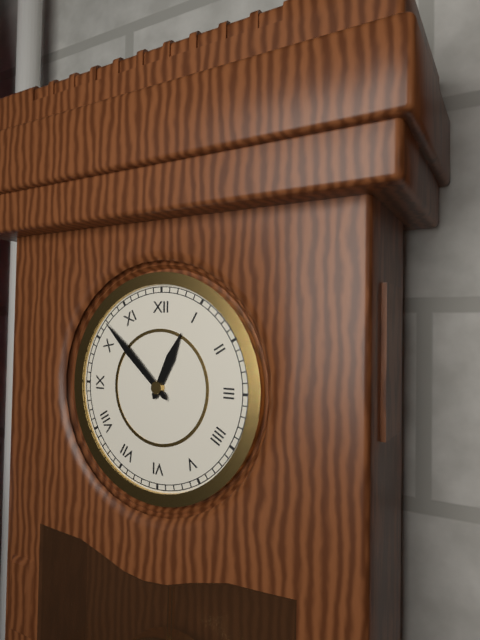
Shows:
12h52
